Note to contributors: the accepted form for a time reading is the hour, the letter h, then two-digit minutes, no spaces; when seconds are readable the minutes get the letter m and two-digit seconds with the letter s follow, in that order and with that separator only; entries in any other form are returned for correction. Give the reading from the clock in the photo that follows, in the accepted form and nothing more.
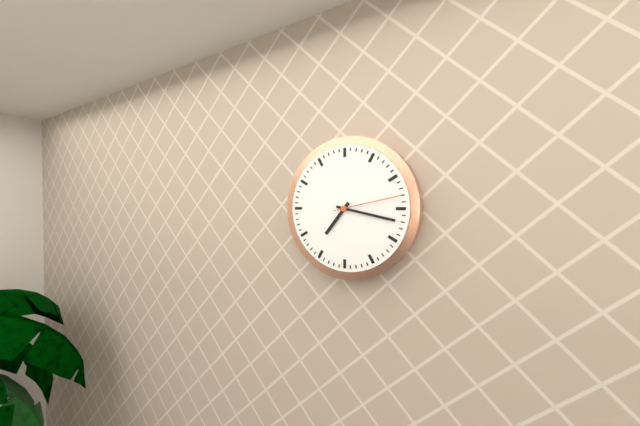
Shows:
7h17m13s
